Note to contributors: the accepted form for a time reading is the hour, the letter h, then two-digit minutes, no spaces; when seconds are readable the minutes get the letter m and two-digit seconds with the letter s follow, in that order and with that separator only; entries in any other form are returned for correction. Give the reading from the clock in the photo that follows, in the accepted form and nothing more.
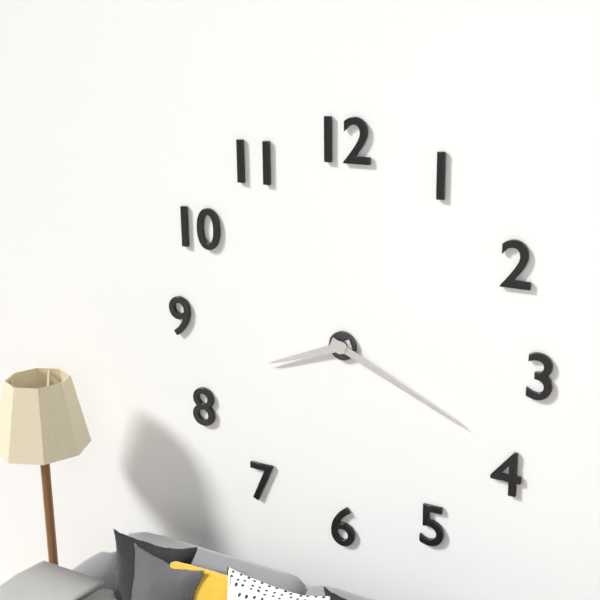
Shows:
8h19
